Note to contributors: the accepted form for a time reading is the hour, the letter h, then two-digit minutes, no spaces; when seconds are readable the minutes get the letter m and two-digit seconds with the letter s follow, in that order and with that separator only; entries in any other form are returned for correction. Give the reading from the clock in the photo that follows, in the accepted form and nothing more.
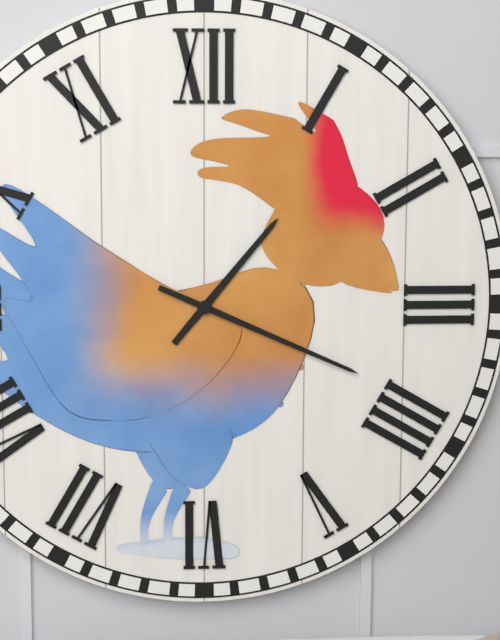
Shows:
1h19
